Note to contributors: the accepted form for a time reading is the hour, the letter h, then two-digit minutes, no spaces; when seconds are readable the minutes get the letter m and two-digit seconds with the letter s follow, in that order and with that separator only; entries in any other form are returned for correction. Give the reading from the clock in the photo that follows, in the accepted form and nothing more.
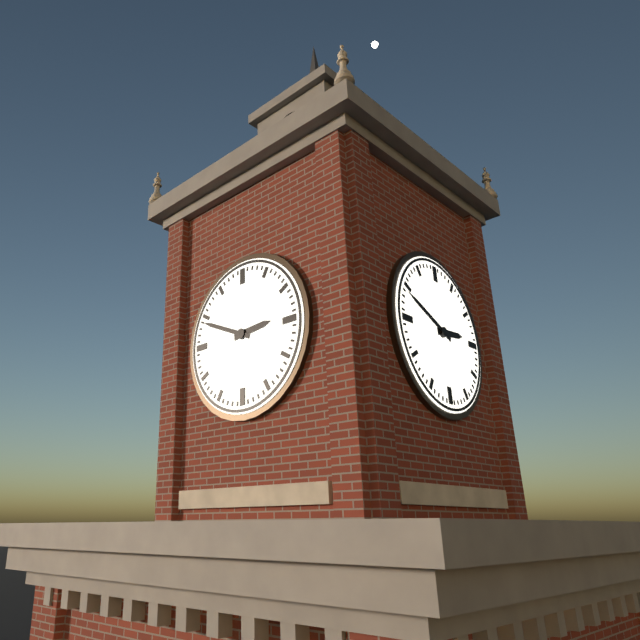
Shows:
2h49
